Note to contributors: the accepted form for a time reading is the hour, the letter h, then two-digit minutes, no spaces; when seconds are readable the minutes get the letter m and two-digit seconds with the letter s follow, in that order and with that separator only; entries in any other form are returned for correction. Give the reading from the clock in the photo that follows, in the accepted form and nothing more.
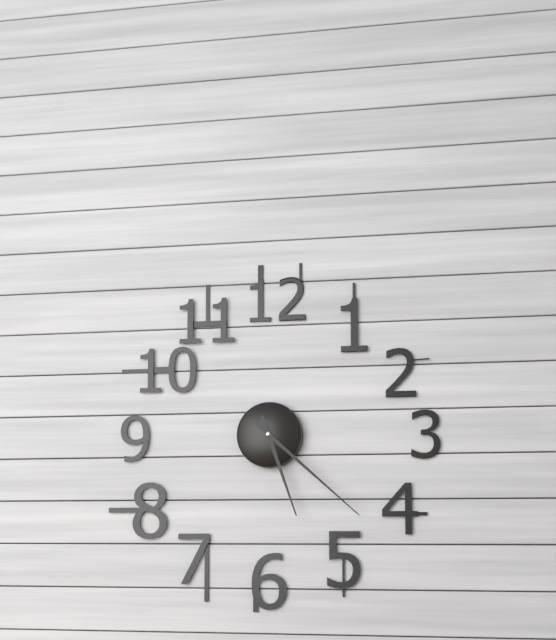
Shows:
5h22
